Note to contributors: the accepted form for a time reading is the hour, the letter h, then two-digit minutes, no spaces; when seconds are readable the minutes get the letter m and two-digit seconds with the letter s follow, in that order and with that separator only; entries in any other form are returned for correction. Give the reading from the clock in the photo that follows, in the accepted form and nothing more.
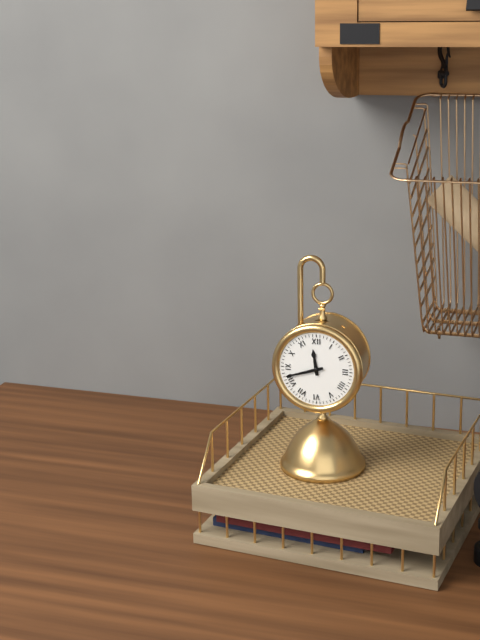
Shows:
11h42
